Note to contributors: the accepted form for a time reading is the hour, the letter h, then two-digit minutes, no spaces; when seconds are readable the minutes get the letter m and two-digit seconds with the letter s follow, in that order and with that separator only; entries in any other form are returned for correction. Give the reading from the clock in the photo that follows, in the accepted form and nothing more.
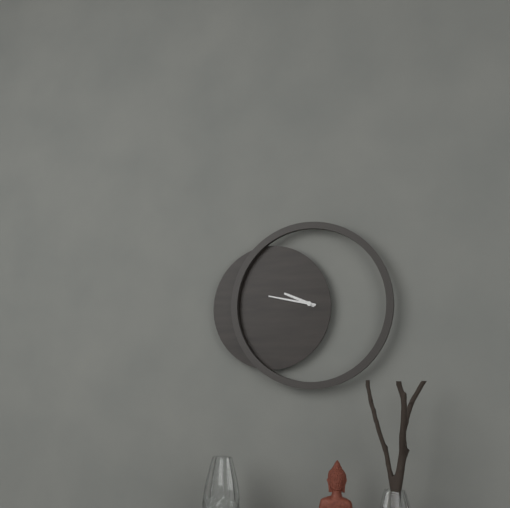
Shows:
9h47
